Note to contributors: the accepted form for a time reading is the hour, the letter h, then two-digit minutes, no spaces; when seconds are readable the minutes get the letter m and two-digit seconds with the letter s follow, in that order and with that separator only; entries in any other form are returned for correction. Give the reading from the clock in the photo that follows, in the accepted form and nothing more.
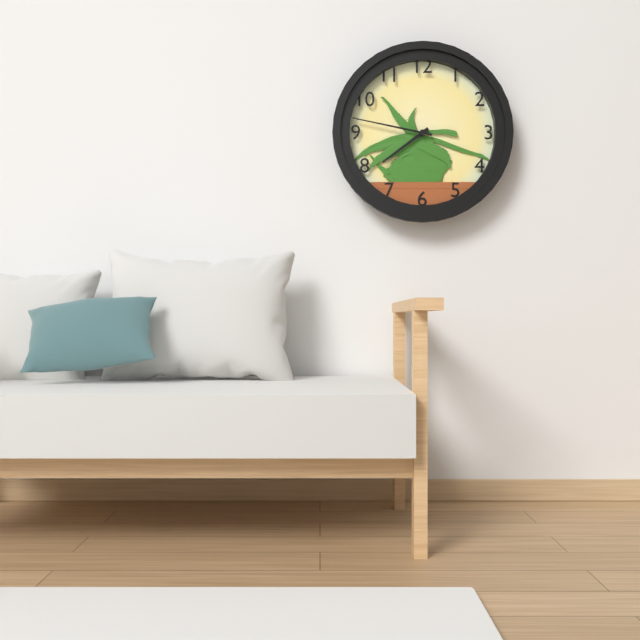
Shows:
7h47
